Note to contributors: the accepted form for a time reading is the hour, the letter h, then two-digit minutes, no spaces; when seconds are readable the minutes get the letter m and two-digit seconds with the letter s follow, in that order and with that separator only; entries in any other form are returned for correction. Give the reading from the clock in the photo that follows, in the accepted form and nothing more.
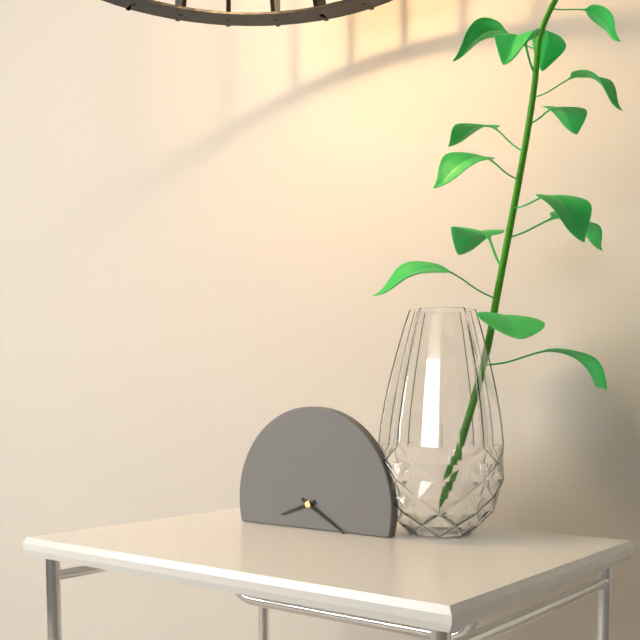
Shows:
8h20
